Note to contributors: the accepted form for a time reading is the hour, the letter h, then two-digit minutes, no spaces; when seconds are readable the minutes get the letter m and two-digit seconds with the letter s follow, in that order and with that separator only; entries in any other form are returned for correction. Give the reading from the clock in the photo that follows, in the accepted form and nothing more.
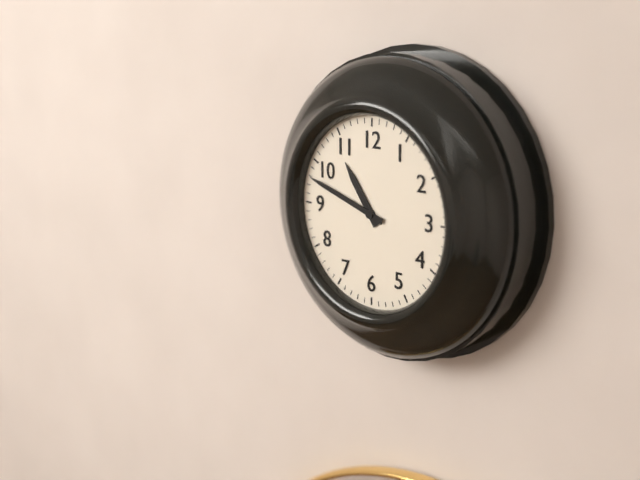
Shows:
10h48
